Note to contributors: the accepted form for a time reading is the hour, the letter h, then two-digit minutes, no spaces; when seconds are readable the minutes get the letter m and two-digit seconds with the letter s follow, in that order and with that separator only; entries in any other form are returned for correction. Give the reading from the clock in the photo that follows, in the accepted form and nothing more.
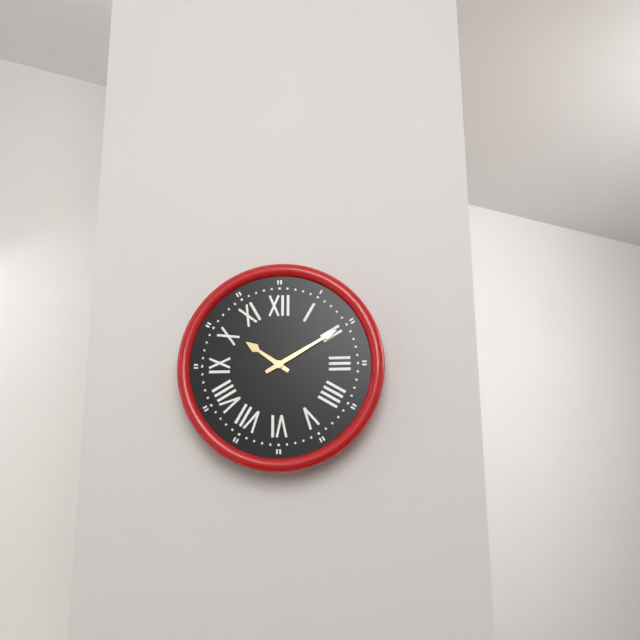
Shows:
10h10
